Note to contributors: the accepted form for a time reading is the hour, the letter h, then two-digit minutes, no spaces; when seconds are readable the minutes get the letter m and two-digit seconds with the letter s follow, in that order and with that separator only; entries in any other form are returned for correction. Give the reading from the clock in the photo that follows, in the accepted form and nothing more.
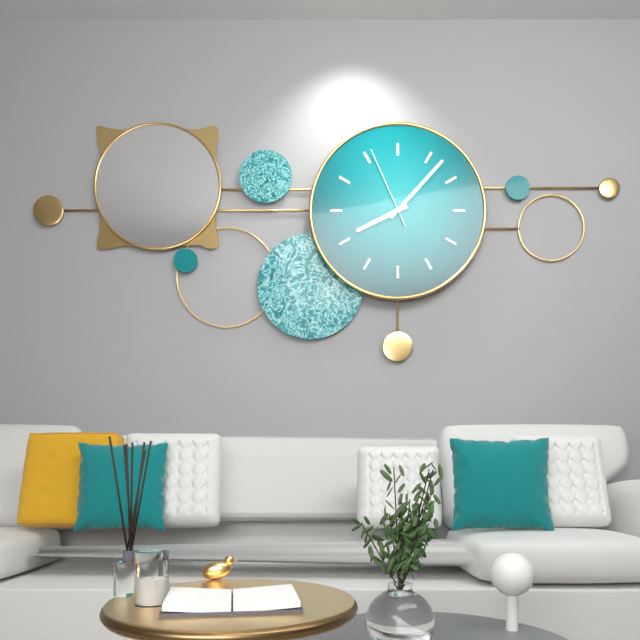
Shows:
8h07m56s
